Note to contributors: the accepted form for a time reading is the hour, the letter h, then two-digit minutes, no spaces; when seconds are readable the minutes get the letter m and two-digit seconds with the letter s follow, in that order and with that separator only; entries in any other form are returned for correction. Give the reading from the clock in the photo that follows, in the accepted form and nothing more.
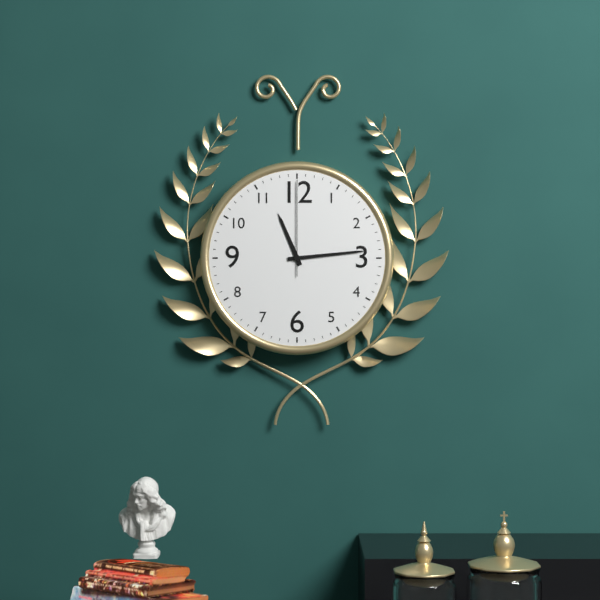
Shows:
11h14m00s
